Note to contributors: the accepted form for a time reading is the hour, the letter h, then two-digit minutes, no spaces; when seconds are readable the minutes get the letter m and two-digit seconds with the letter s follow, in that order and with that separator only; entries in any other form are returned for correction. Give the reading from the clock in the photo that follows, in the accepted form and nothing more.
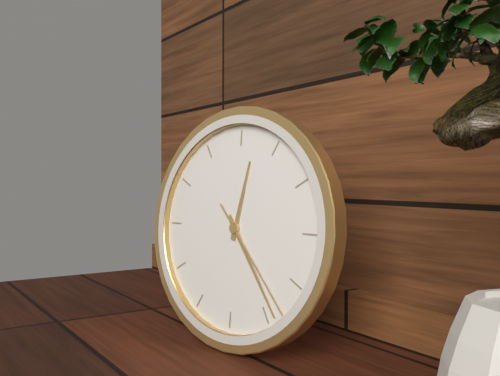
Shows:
12h24m23s
